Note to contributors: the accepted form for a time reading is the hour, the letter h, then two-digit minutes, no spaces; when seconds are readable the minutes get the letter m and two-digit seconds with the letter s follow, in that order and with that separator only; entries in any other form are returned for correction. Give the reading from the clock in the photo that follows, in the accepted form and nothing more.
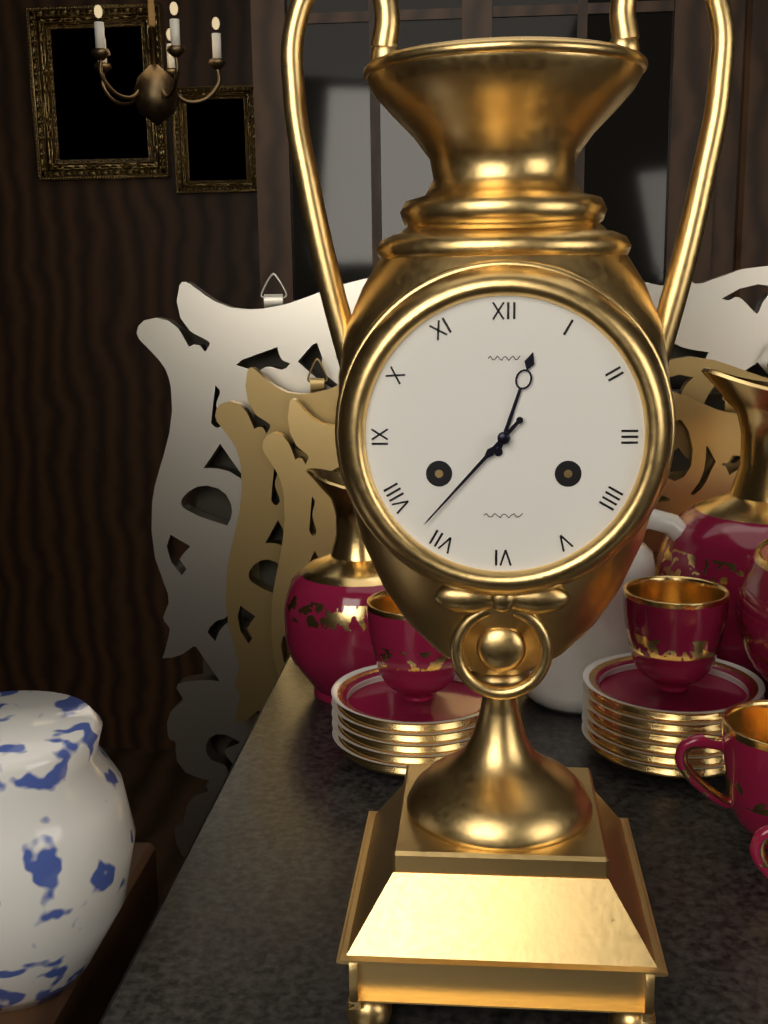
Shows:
12h37
